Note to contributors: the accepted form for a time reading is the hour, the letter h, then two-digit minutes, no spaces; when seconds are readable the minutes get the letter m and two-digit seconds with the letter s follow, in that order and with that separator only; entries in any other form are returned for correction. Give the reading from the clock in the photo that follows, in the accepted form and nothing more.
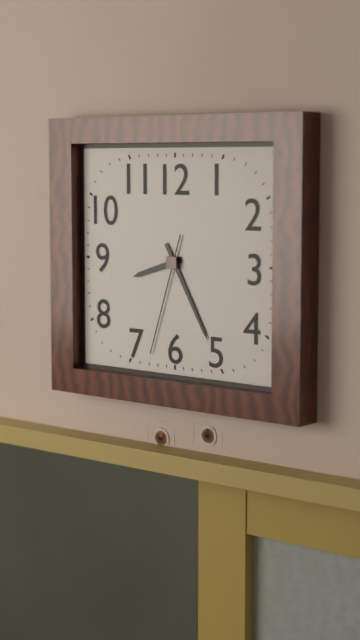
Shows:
8h25m33s
